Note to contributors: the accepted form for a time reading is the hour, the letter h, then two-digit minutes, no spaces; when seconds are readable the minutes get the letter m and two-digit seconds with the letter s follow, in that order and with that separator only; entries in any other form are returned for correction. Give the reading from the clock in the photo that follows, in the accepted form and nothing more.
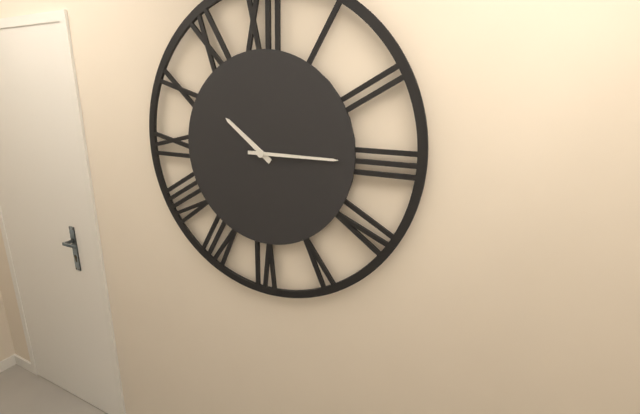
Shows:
10h15
